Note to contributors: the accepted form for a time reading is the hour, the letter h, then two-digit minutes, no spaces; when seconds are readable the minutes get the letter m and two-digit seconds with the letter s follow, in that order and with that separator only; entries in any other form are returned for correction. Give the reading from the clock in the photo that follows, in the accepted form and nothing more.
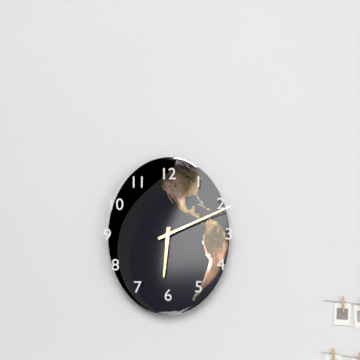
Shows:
6h11
